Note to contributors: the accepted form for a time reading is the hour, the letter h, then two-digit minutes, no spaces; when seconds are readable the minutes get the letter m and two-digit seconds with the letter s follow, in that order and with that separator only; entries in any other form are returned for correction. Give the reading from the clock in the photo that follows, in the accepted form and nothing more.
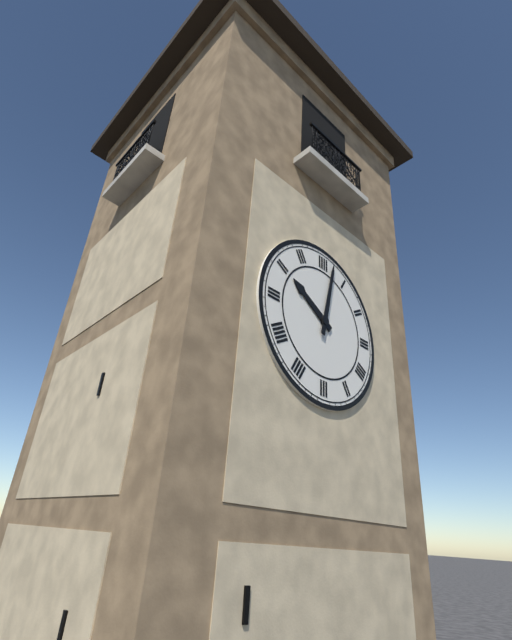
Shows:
10h02
